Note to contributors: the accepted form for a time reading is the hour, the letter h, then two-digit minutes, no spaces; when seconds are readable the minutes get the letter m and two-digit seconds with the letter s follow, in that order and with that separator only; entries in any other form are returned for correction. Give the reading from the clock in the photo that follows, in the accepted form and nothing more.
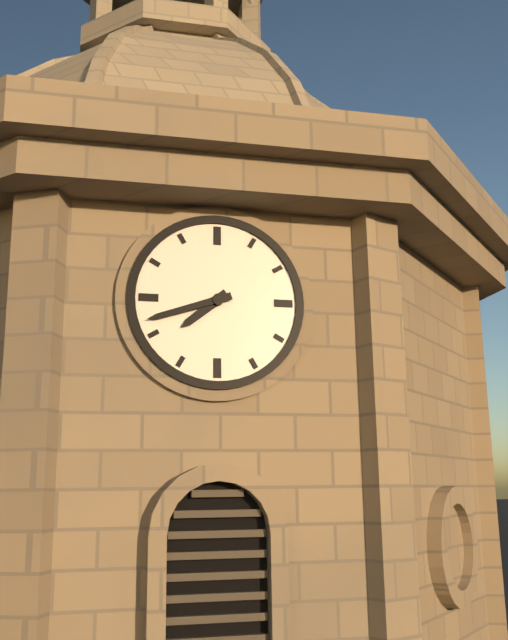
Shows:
7h42
